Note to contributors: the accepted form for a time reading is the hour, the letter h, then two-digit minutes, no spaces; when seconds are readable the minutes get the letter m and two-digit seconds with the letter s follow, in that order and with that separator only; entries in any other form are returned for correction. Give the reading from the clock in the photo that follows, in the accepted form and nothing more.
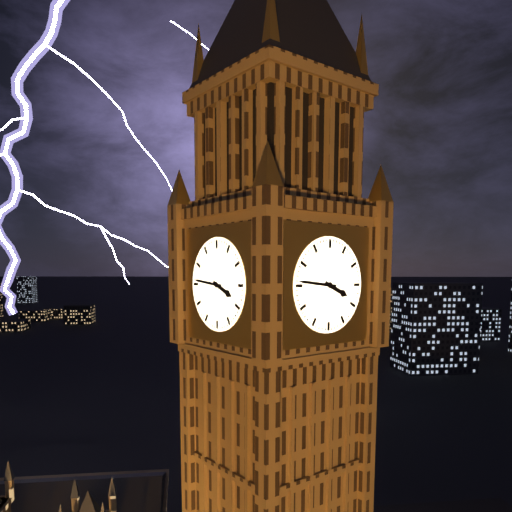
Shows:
3h46
